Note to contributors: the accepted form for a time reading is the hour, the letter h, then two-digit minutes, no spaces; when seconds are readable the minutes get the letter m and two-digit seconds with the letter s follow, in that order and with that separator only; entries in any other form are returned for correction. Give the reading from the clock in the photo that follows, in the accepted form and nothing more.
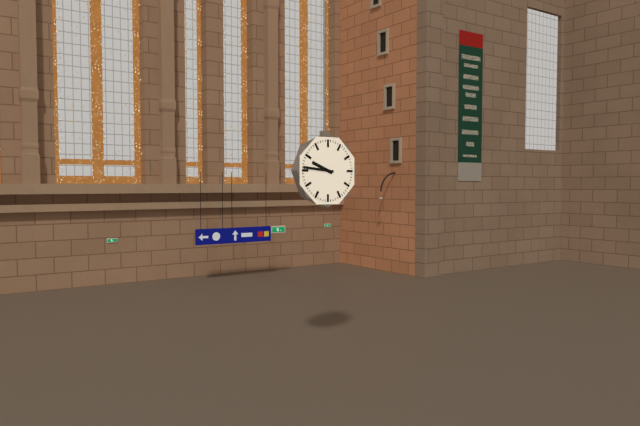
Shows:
9h46
